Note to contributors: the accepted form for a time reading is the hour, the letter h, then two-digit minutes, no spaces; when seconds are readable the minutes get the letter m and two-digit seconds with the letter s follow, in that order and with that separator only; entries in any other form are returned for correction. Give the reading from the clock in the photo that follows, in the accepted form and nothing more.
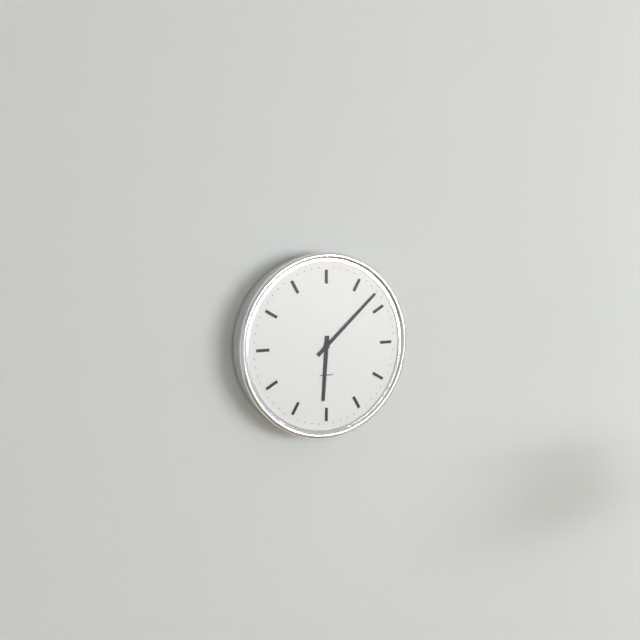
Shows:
6h08
